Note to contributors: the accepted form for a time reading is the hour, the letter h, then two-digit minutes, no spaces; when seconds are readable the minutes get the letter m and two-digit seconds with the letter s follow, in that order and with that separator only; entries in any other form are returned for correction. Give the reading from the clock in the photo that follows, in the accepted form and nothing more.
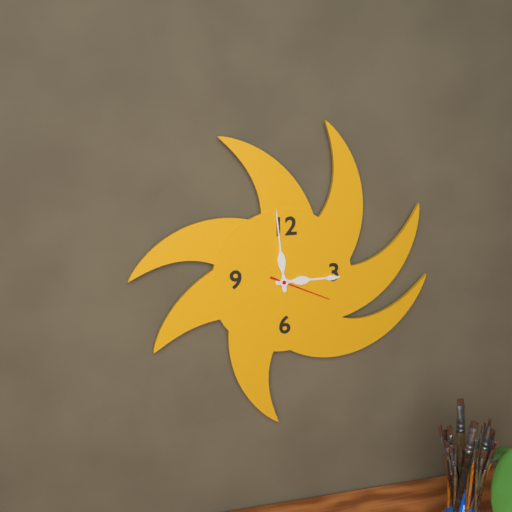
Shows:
2h59m19s
